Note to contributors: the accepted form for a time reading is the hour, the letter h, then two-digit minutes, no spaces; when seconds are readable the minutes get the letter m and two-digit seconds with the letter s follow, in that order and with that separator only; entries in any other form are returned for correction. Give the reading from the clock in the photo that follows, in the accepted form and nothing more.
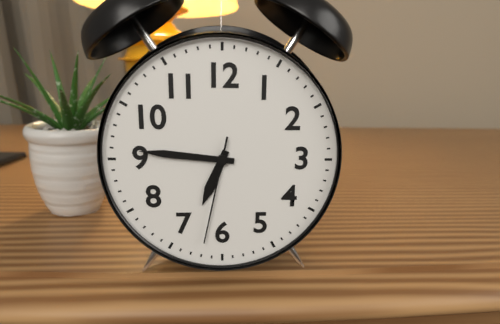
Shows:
6h46m32s
